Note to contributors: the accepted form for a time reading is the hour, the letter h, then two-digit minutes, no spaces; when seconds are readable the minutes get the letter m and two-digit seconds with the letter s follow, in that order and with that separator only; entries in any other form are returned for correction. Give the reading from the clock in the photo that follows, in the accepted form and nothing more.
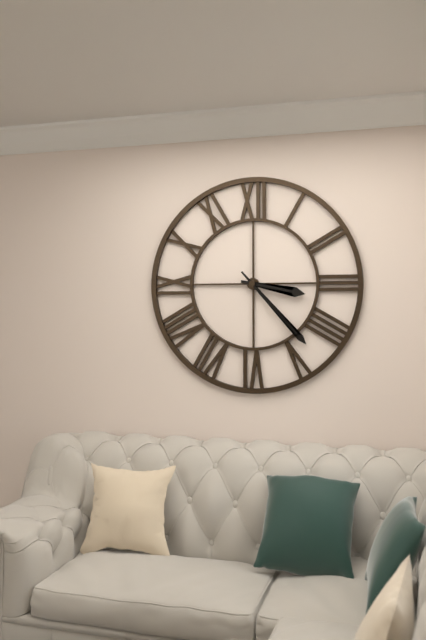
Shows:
3h23
